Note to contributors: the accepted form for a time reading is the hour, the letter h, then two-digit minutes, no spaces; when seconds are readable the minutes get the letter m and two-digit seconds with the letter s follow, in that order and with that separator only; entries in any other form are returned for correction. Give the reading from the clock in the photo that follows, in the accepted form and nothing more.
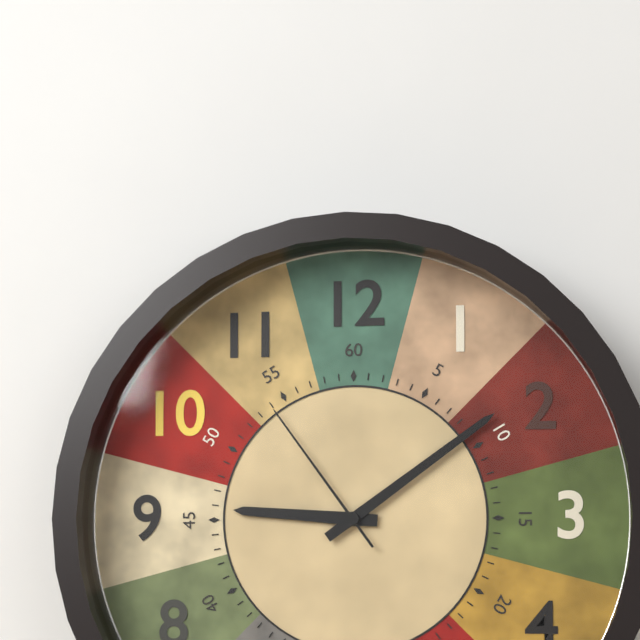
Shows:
9h09m54s
